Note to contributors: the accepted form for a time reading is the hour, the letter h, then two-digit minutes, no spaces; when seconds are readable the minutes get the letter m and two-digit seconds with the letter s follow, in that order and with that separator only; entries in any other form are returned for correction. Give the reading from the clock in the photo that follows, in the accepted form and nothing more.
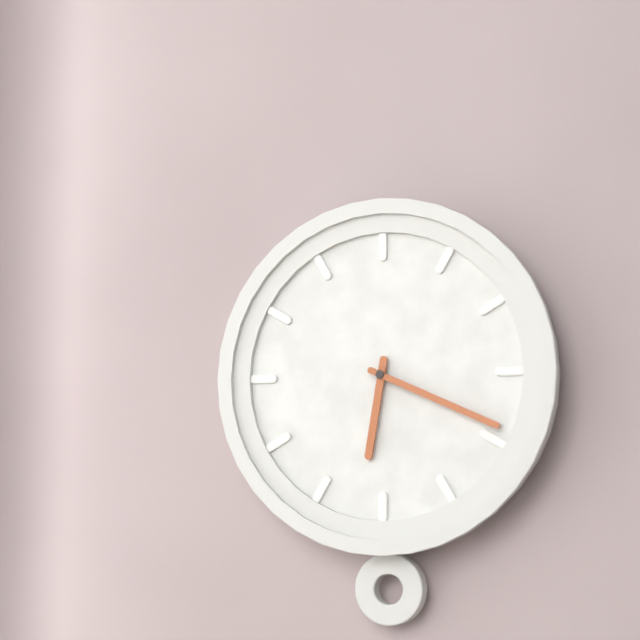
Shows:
6h19
